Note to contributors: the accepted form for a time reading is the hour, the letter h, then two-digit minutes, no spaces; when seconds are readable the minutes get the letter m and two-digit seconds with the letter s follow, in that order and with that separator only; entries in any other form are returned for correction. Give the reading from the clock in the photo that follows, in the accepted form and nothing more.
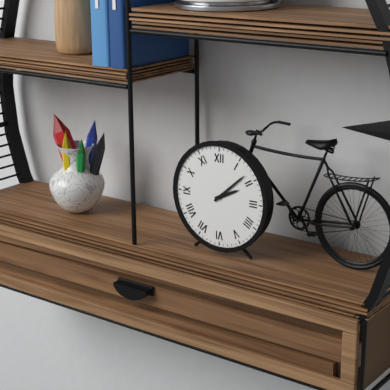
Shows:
2h08
